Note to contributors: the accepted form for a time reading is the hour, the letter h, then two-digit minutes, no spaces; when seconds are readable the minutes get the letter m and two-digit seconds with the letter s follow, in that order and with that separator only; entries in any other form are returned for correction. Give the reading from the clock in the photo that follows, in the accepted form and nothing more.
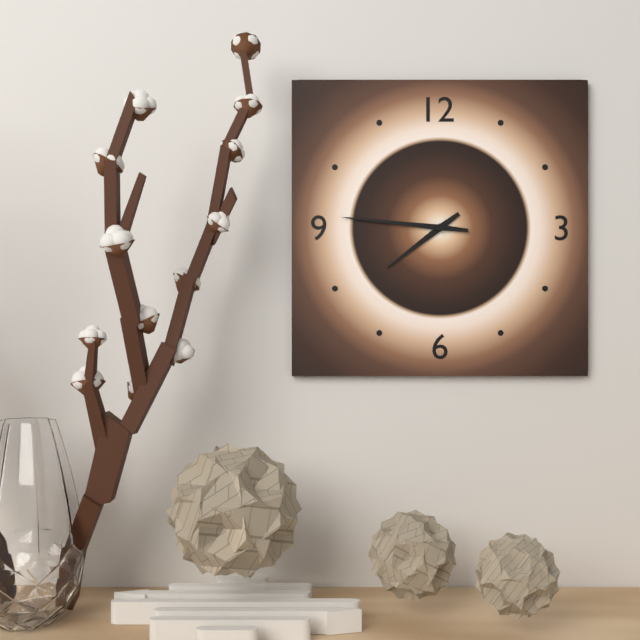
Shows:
7h46
